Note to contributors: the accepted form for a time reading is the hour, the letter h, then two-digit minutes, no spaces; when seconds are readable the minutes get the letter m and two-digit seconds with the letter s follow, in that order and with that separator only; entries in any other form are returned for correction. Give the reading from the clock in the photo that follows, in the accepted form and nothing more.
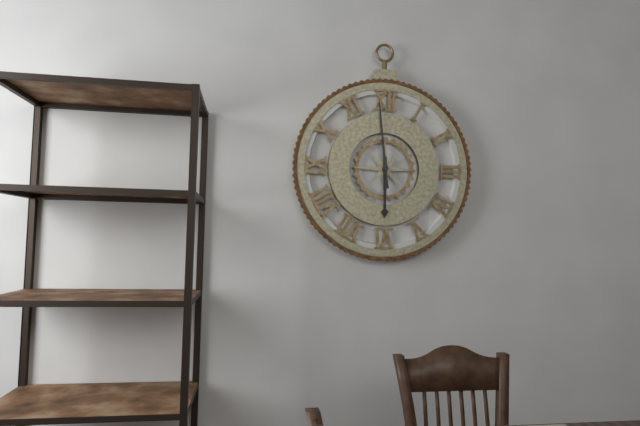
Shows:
5h59
